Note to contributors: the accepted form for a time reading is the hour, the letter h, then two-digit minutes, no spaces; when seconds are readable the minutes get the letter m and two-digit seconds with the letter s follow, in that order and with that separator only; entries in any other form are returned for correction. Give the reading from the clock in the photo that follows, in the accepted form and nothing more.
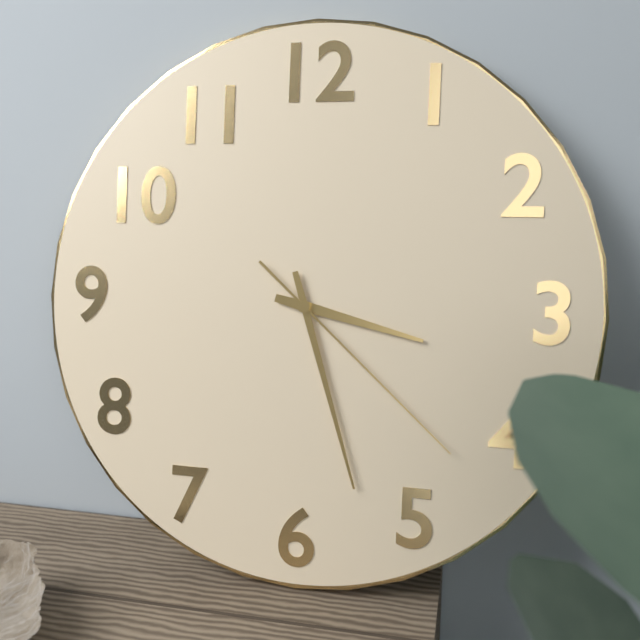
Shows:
3h27m22s
